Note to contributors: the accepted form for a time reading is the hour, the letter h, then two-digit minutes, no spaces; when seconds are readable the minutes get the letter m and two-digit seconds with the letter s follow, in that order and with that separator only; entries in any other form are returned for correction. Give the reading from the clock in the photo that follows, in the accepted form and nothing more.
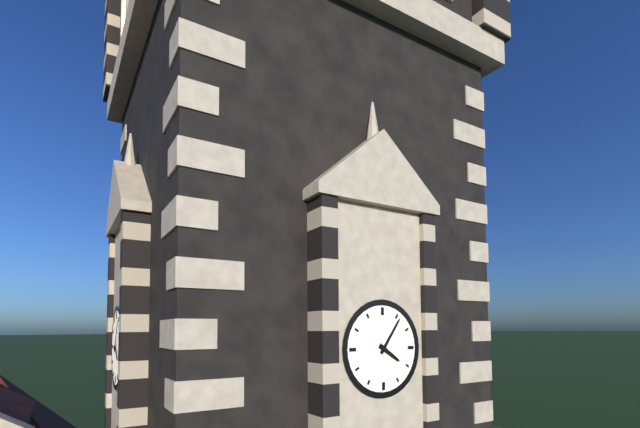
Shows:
4h06
